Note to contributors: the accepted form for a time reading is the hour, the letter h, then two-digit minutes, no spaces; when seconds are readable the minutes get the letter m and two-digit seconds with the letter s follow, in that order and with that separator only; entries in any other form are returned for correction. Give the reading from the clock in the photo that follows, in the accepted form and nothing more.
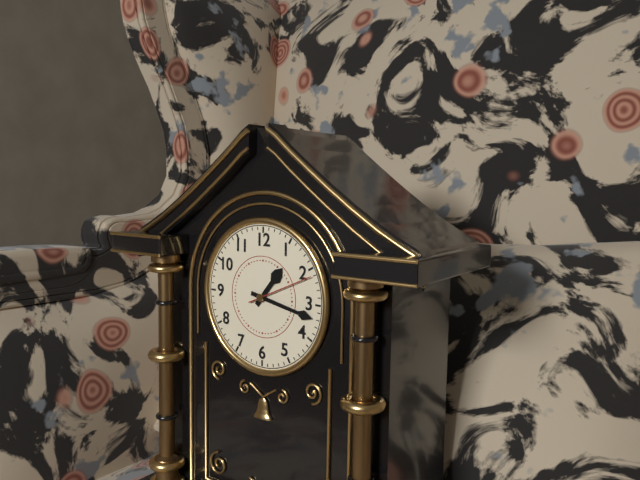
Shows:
1h17m11s
